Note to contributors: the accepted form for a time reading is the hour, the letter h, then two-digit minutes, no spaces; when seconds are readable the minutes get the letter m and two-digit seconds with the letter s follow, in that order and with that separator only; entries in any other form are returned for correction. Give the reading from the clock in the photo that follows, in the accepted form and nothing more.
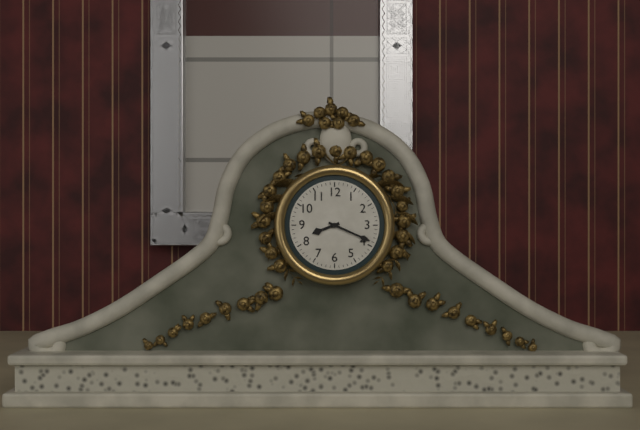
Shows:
8h19
